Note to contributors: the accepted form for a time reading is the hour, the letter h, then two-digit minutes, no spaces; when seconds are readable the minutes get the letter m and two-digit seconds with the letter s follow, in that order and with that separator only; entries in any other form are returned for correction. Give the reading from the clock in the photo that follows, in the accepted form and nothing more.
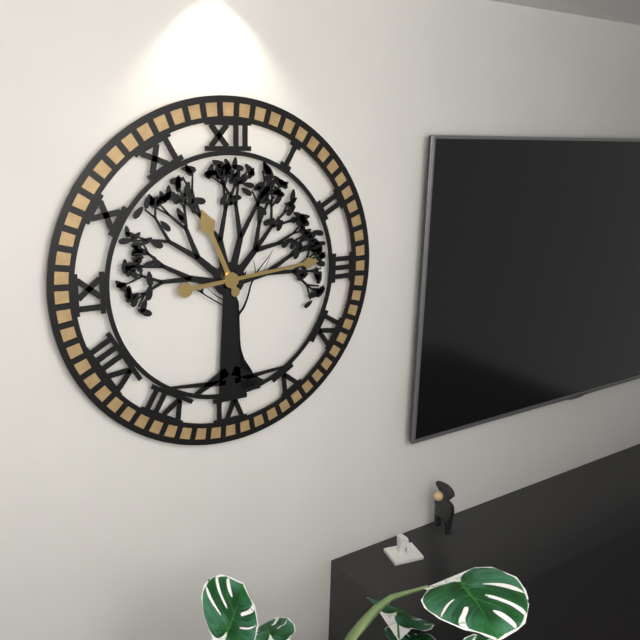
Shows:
11h14
